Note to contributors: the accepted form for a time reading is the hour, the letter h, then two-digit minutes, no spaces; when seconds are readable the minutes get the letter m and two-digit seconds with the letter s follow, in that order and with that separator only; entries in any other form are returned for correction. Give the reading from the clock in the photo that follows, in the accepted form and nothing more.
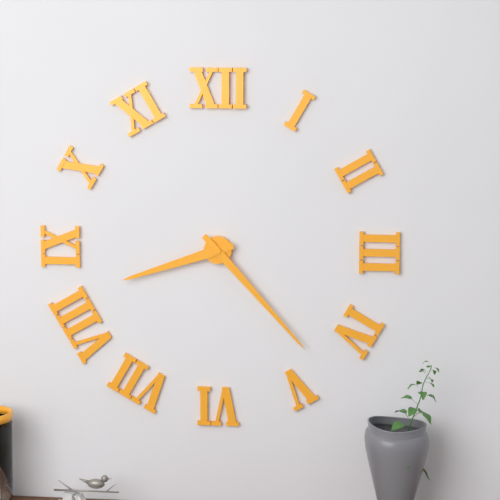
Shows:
8h23
